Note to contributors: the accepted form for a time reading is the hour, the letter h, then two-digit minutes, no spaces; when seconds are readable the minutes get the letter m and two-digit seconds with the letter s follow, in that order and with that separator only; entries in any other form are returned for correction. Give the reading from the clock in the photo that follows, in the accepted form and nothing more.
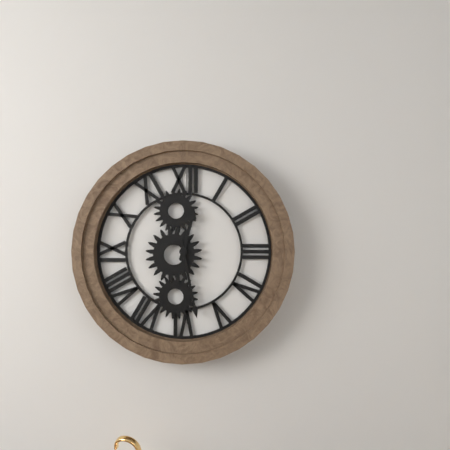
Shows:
12h28
